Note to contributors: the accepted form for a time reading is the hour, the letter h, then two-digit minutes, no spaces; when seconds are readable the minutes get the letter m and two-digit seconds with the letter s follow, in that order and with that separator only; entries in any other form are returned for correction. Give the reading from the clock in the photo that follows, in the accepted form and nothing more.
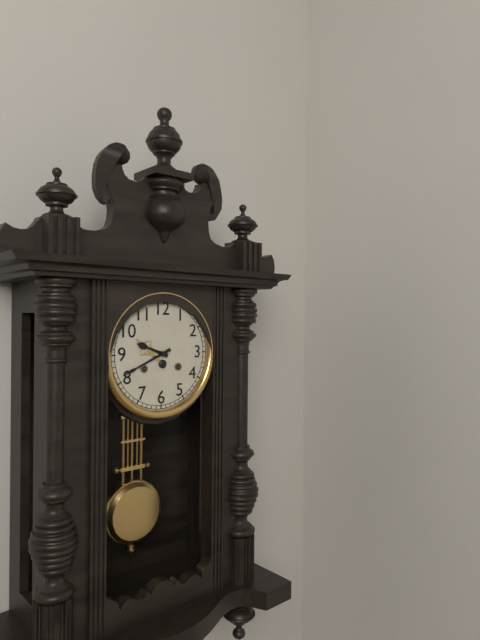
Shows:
9h41
